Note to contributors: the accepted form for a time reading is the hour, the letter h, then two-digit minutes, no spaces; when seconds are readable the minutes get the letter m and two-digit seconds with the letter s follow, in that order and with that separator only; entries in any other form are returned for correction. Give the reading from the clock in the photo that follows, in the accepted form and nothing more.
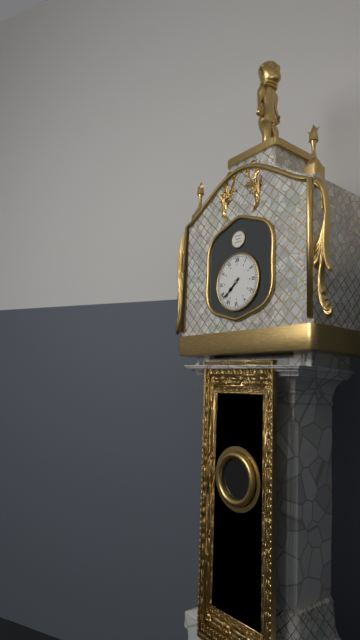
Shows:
7h38
